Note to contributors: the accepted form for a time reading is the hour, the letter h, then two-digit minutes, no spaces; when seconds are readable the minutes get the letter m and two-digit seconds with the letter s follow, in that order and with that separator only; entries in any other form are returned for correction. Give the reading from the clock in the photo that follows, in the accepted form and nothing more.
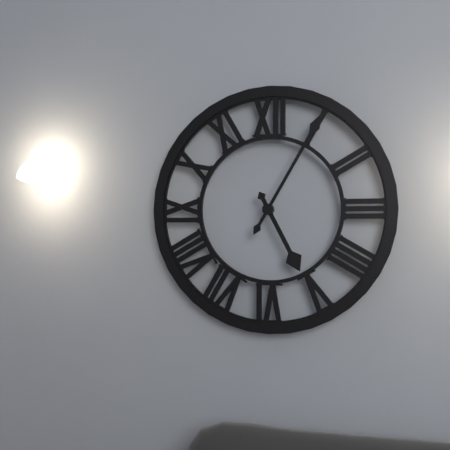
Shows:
5h05
